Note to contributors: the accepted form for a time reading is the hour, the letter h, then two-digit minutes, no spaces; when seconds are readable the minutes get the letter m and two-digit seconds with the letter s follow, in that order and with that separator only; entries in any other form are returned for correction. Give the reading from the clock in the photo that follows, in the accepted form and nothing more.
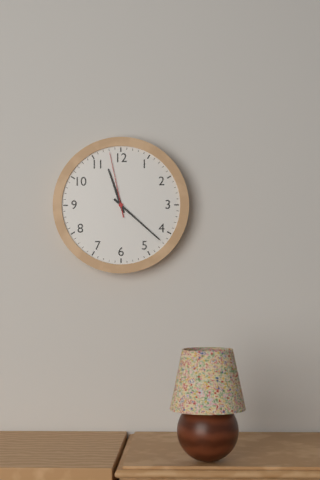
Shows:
11h22m58s
